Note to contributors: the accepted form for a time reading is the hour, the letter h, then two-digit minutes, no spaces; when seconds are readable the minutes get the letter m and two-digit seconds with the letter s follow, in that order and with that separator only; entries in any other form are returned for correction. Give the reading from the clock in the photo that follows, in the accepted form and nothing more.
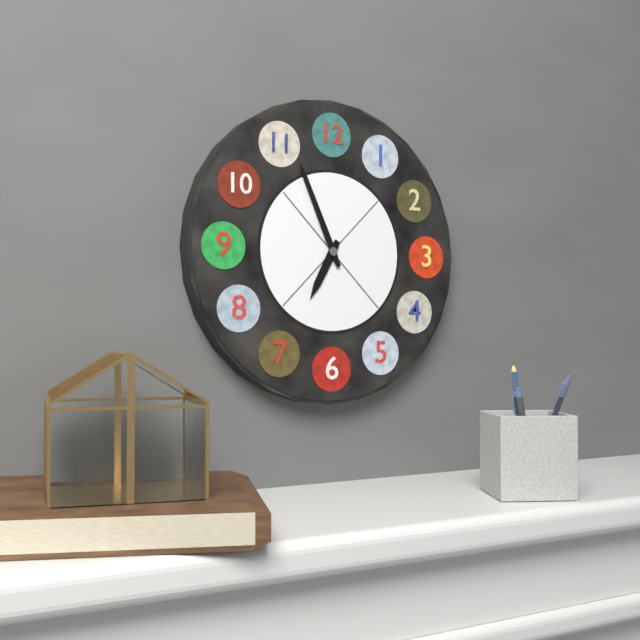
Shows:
6h56
